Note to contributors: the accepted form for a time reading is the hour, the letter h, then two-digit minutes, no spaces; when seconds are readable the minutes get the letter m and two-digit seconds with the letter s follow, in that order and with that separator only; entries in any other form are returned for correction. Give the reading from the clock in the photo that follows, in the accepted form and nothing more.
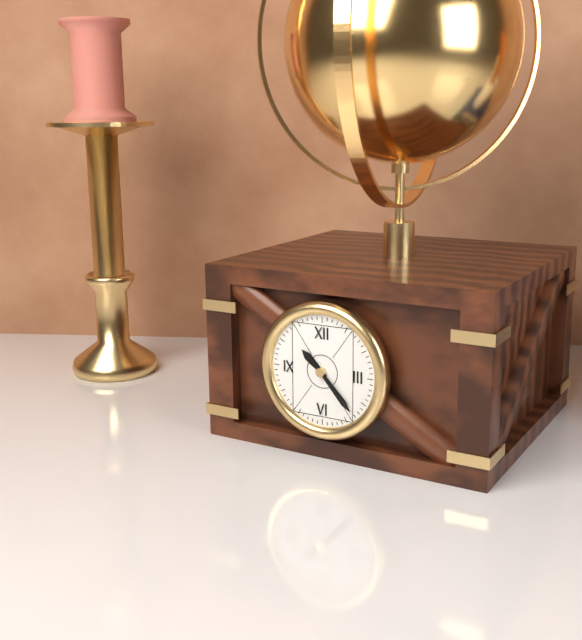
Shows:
10h23
